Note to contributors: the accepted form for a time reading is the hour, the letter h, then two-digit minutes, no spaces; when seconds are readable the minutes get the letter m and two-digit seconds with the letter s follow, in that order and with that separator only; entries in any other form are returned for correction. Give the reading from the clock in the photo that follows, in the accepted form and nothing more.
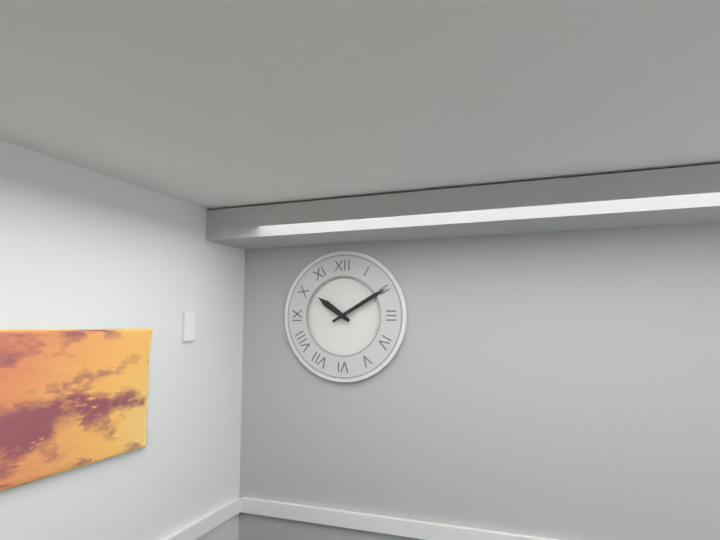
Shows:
10h10
